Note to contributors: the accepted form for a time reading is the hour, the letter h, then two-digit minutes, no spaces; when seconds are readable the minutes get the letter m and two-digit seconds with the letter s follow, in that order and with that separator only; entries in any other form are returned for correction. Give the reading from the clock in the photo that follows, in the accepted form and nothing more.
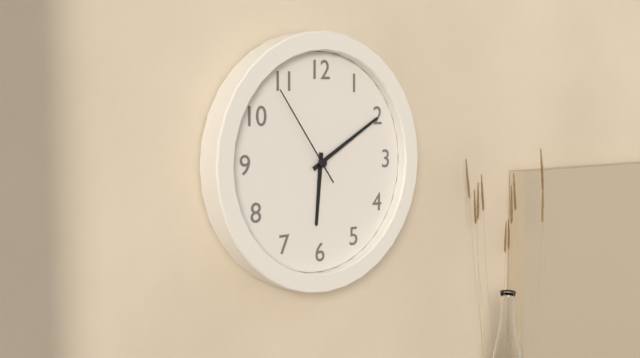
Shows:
6h10m54s
